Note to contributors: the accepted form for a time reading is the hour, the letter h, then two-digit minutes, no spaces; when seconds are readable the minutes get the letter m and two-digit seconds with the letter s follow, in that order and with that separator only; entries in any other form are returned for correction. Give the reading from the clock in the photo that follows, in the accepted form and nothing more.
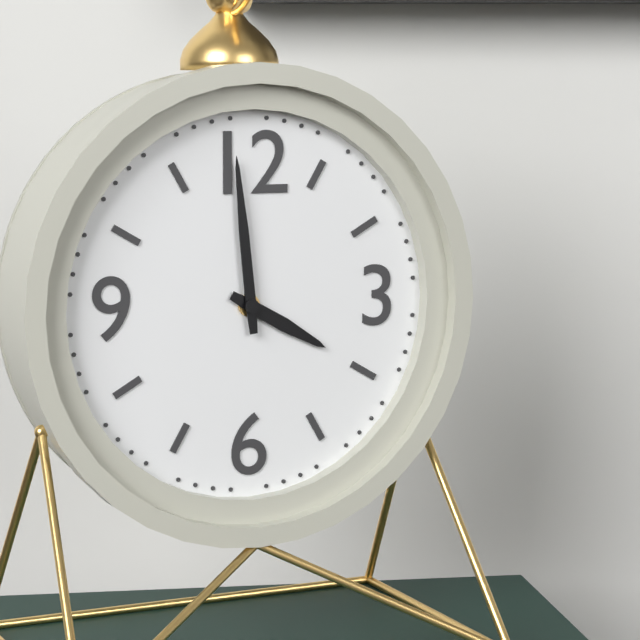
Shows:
3h59
